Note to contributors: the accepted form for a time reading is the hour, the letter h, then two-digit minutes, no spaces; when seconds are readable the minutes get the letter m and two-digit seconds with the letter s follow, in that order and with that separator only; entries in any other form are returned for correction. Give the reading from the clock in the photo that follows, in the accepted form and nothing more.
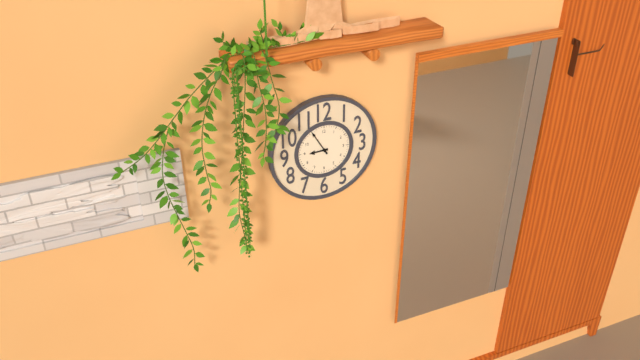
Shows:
8h55
